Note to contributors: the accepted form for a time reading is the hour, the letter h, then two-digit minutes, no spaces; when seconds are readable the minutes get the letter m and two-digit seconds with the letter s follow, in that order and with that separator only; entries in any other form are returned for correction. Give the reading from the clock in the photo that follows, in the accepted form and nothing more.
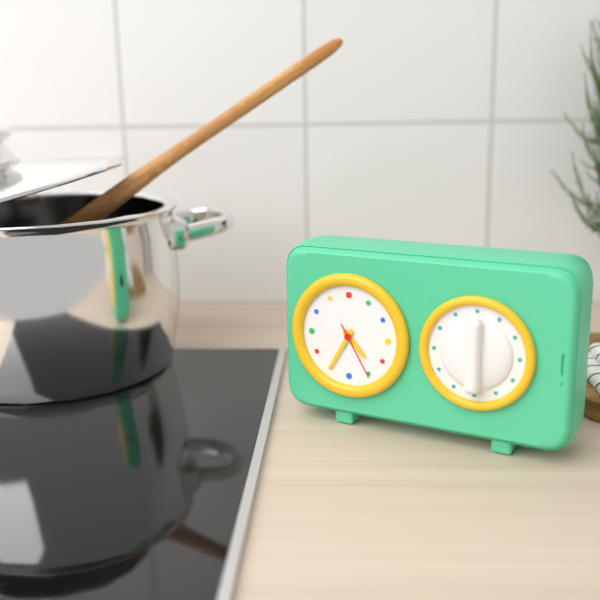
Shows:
4h35m25s
